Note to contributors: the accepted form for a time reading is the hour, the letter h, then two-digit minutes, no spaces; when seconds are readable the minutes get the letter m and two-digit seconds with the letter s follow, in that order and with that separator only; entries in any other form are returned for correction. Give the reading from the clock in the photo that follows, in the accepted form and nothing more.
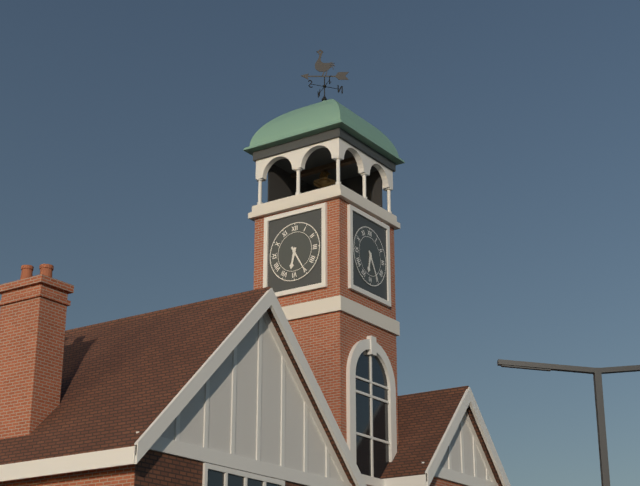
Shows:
6h25
